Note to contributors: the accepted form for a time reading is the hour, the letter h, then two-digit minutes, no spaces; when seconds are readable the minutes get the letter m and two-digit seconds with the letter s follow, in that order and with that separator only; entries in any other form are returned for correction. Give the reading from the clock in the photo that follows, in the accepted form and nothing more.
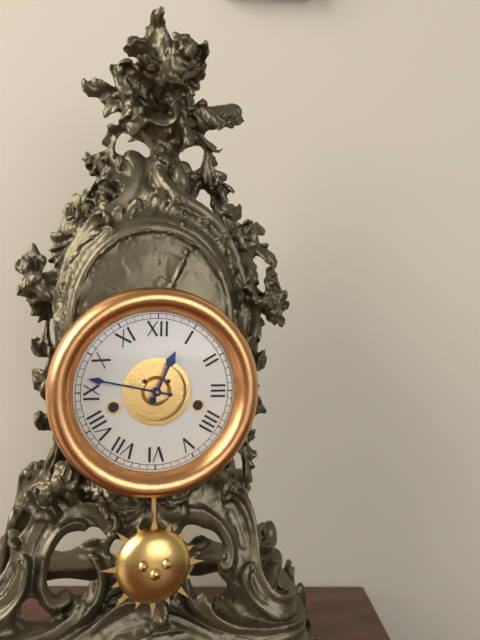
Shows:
12h47
